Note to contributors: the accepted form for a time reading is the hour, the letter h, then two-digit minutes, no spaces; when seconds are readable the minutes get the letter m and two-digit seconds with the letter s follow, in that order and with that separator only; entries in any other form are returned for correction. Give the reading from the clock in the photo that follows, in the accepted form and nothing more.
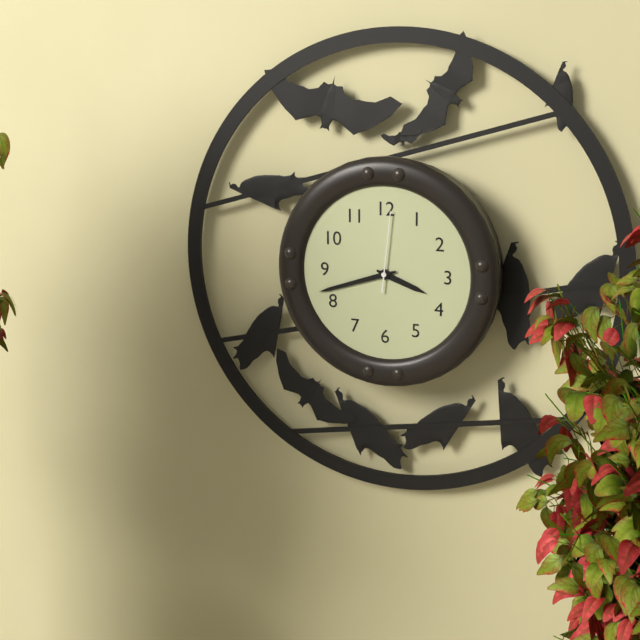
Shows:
3h42m01s
